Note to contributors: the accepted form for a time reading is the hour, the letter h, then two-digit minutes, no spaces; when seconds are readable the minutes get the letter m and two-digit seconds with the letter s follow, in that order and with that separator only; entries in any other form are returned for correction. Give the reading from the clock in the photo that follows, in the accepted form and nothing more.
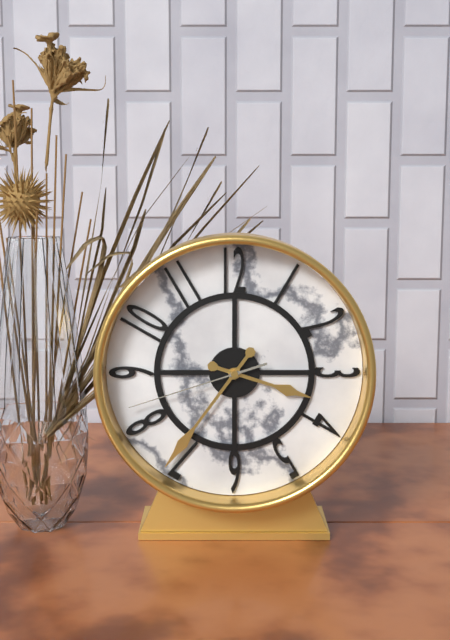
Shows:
3h36m42s
